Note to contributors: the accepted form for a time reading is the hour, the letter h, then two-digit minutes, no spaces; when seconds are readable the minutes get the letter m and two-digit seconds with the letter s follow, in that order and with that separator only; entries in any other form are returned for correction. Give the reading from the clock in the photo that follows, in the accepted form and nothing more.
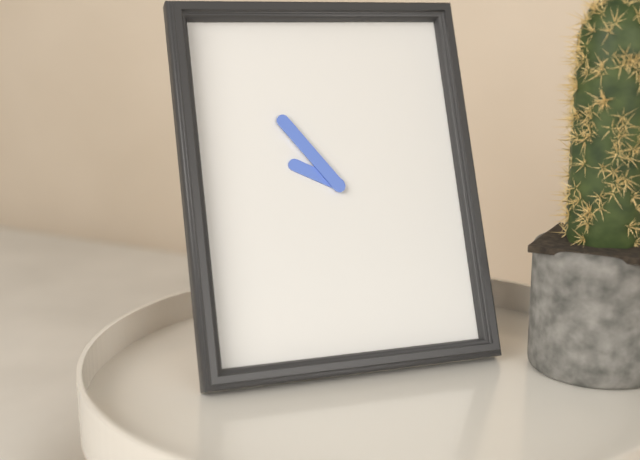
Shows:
9h54
